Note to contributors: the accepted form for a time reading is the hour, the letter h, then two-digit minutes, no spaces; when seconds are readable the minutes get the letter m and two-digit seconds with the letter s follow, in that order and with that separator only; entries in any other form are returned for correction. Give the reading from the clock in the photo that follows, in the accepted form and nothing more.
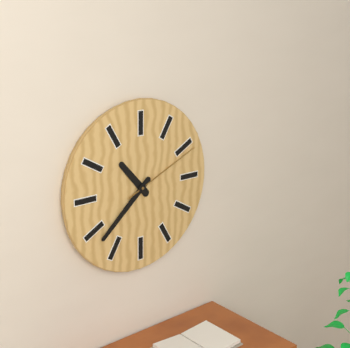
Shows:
10h38m11s
